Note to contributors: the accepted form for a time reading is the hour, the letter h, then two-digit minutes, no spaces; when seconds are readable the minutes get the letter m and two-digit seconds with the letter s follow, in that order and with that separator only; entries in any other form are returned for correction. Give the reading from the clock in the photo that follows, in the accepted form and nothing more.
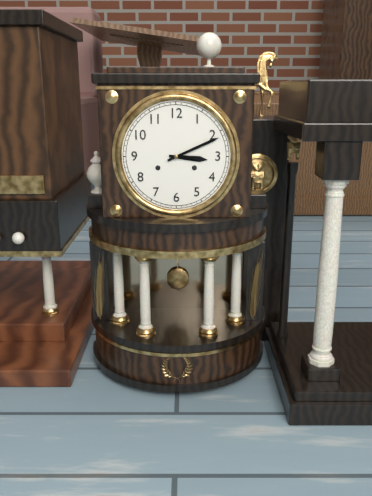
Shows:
3h11
